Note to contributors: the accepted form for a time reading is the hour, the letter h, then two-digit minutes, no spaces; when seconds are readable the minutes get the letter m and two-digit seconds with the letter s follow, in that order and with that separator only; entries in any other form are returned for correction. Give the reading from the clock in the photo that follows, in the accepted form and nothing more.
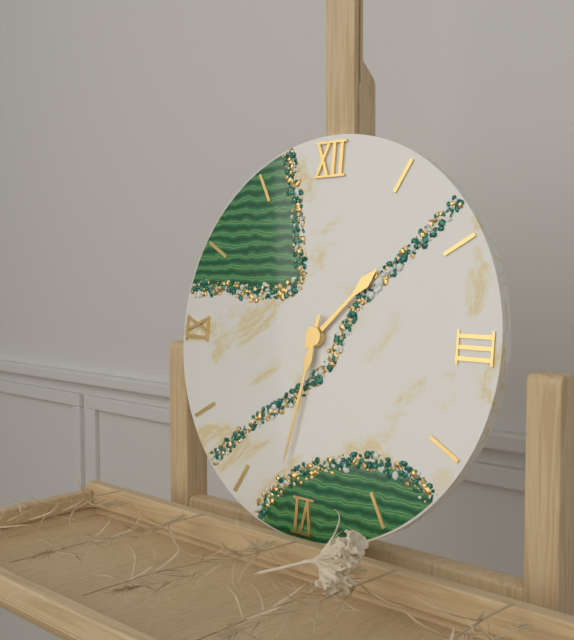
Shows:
1h32
